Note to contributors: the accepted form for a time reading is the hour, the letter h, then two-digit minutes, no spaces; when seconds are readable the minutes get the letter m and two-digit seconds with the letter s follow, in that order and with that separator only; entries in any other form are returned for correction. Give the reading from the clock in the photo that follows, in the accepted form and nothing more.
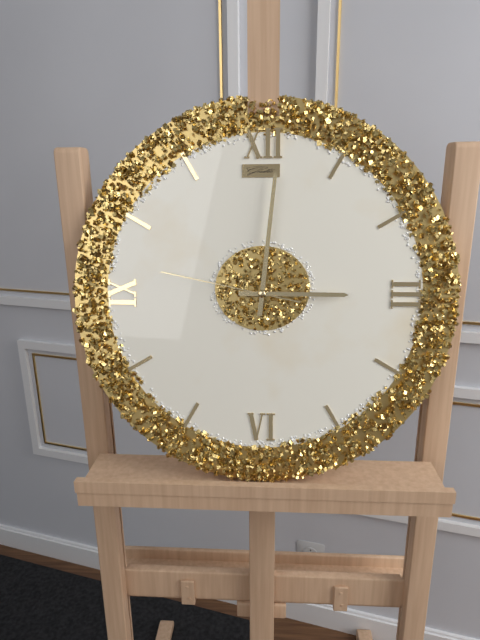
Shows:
3h01m47s
